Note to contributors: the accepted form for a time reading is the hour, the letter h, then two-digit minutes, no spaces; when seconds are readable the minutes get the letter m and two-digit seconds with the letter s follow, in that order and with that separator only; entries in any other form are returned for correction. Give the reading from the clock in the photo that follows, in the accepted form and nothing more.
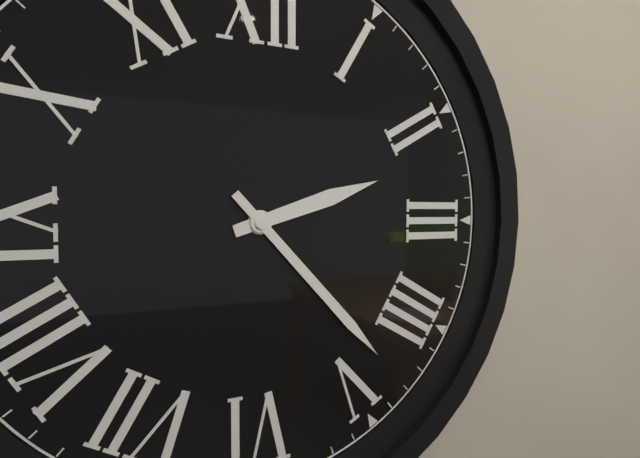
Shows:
2h23
